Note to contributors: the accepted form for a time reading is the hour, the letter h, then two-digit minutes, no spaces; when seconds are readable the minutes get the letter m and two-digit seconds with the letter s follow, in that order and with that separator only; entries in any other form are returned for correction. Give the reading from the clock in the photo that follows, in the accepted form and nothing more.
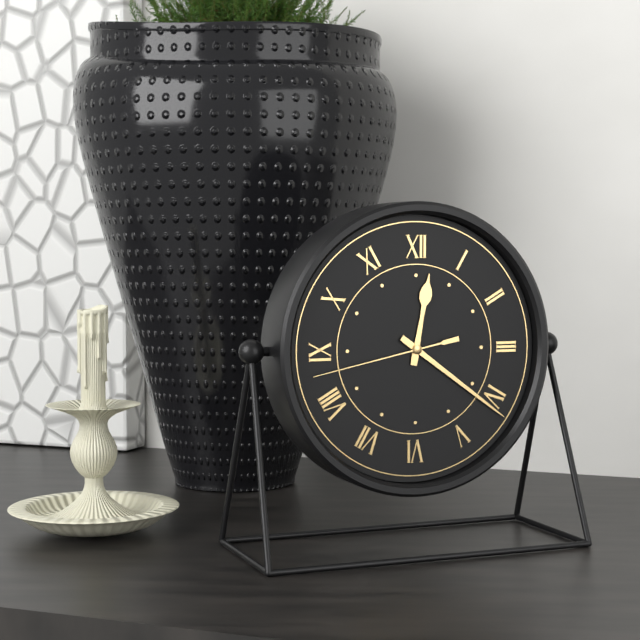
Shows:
12h21m43s
